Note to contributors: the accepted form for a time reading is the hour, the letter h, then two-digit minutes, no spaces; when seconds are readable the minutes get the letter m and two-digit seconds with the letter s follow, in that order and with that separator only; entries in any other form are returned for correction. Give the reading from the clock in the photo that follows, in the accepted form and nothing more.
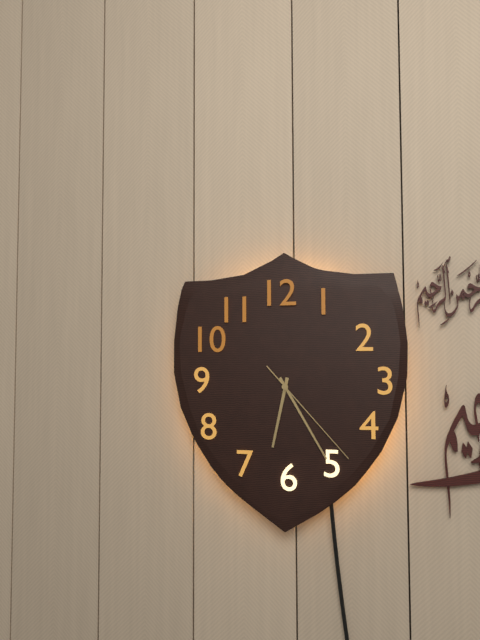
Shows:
6h25m23s
